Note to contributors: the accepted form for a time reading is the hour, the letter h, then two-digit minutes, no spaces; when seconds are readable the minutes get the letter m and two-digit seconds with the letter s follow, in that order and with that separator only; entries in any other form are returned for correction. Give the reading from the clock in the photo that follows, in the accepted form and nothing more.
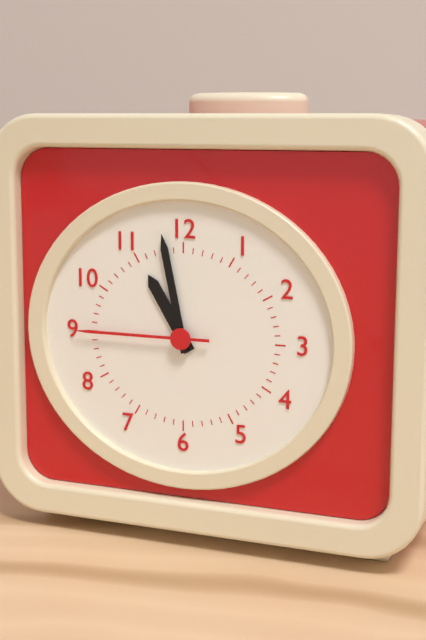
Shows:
10h58m45s
